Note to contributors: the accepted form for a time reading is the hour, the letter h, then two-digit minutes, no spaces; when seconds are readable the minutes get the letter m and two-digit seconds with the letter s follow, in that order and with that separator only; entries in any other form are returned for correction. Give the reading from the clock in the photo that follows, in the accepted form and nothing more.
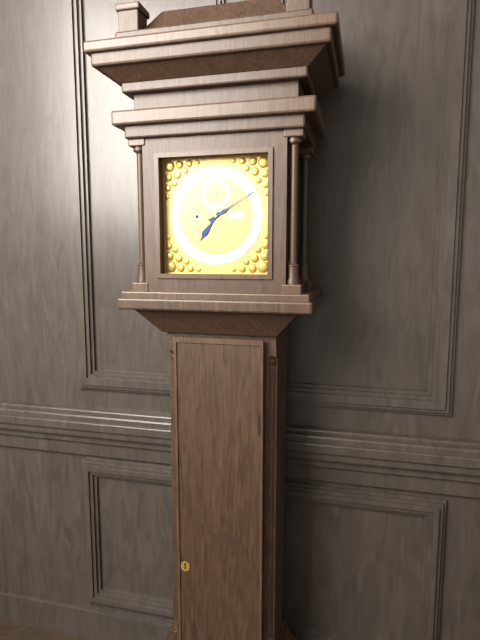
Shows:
7h10
